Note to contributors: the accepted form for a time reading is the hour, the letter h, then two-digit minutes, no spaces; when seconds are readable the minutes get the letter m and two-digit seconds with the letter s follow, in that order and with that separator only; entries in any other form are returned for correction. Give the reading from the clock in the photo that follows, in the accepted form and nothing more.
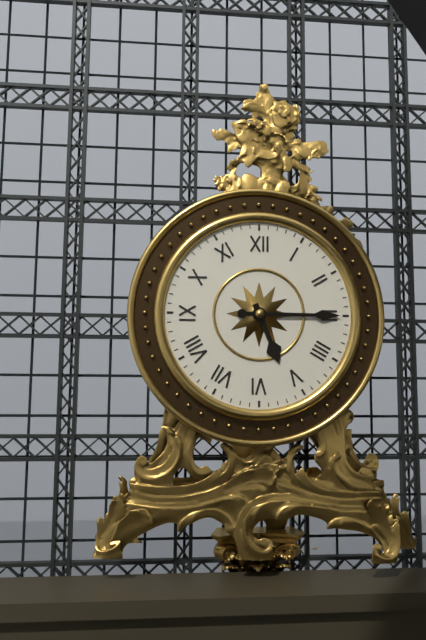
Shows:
5h15
